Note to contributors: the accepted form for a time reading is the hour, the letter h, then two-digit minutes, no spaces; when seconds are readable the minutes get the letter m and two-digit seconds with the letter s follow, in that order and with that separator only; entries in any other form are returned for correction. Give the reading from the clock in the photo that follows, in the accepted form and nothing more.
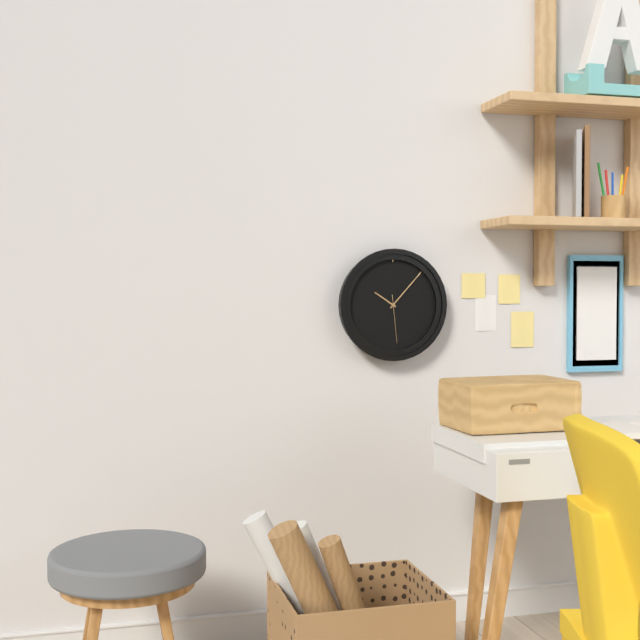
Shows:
10h07
